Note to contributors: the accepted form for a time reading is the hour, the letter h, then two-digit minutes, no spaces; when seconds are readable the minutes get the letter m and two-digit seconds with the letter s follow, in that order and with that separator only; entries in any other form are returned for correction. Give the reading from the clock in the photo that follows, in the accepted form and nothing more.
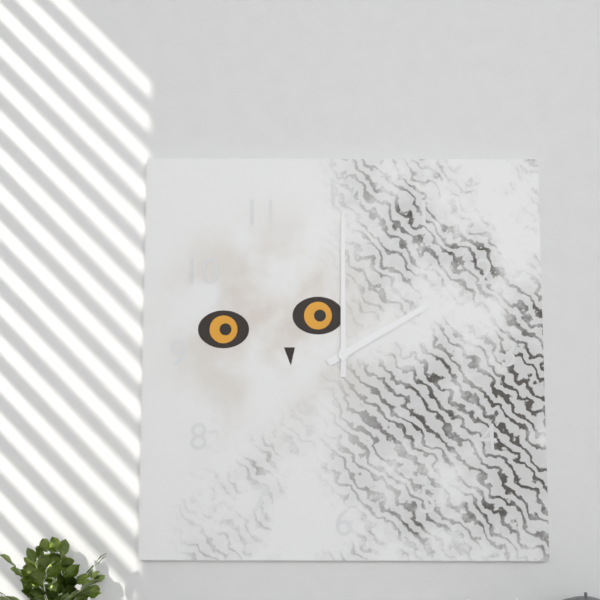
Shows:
2h00
